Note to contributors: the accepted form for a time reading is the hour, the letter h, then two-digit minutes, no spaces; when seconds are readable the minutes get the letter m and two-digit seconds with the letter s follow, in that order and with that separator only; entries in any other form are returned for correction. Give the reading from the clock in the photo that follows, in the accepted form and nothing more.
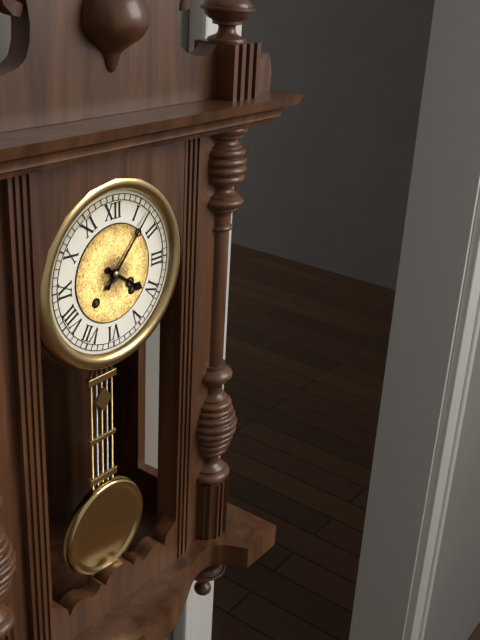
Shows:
4h07
